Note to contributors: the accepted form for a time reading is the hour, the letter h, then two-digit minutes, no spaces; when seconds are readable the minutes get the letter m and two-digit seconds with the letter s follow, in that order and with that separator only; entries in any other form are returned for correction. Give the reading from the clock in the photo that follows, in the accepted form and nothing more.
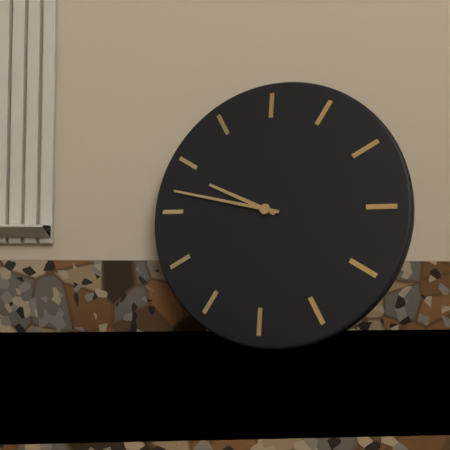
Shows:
9h47
